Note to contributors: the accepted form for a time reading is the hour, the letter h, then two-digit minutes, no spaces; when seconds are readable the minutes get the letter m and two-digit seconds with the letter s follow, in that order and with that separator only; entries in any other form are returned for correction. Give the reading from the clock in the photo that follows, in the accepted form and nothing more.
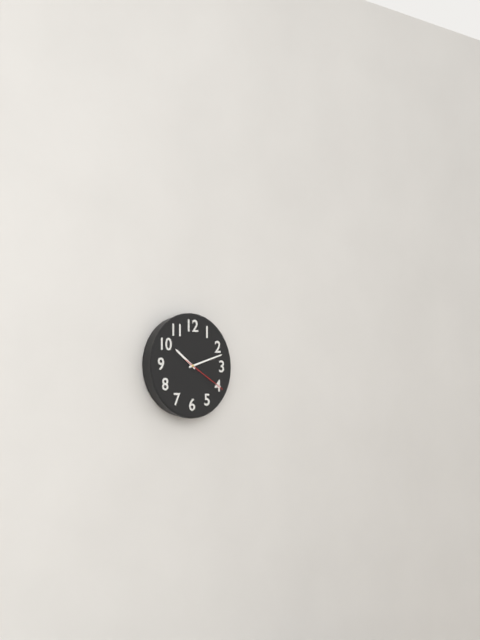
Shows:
10h12
